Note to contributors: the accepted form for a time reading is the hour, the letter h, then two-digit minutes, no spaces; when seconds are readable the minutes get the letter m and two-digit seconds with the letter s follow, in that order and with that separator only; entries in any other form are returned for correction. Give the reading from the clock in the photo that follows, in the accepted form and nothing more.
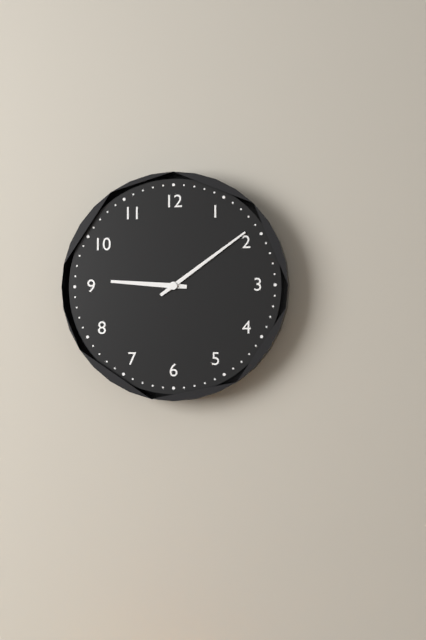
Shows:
9h09
